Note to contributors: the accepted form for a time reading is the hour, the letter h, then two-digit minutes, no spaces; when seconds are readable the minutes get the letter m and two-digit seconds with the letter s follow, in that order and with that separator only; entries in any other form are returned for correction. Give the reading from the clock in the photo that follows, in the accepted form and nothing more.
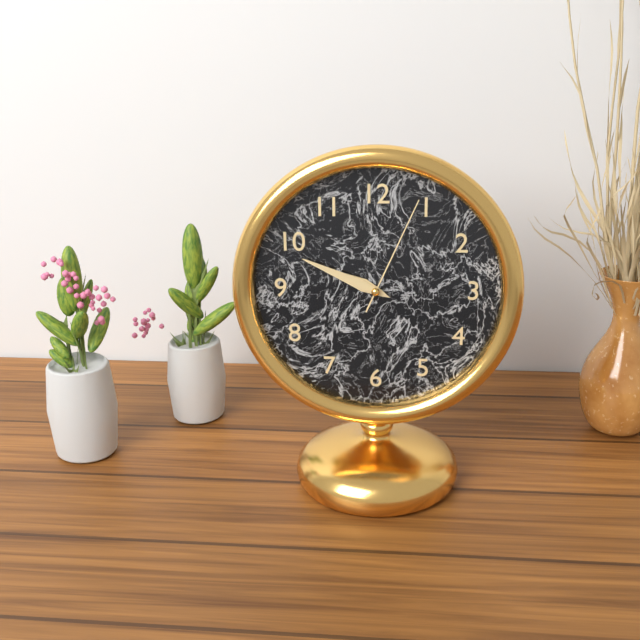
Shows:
9h49m04s
